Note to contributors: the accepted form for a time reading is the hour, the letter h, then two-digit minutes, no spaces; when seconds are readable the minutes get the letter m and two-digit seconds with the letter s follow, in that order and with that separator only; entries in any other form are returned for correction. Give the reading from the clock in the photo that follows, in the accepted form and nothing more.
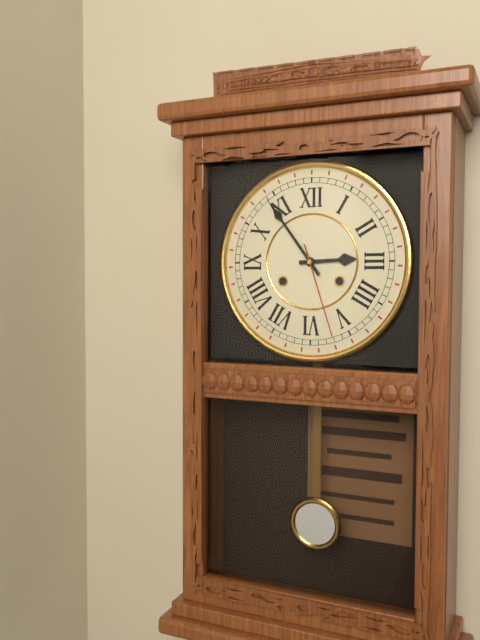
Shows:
2h54m27s
